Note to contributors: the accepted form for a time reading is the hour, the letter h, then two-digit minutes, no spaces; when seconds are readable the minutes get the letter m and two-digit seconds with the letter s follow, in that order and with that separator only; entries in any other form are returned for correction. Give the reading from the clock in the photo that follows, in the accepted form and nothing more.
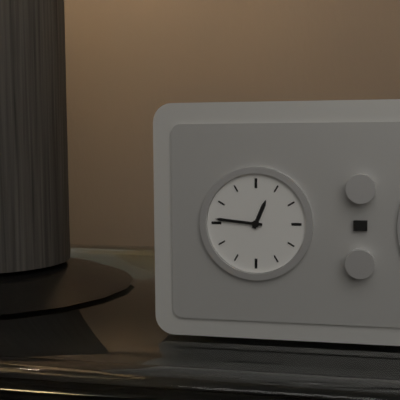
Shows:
12h46
